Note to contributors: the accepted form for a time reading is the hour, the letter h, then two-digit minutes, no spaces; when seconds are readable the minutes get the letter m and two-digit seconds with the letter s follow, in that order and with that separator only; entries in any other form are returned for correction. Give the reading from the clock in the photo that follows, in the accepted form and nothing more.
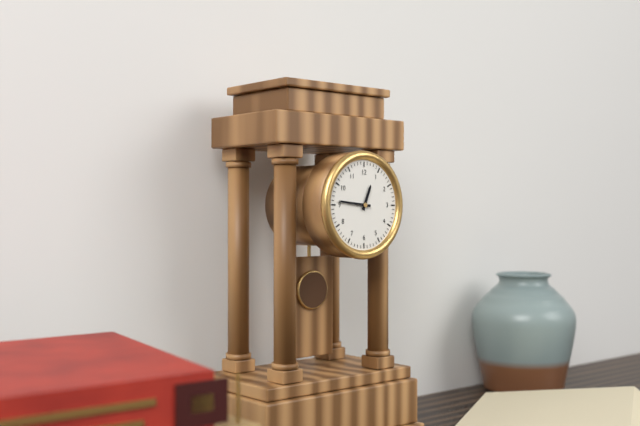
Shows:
12h46
